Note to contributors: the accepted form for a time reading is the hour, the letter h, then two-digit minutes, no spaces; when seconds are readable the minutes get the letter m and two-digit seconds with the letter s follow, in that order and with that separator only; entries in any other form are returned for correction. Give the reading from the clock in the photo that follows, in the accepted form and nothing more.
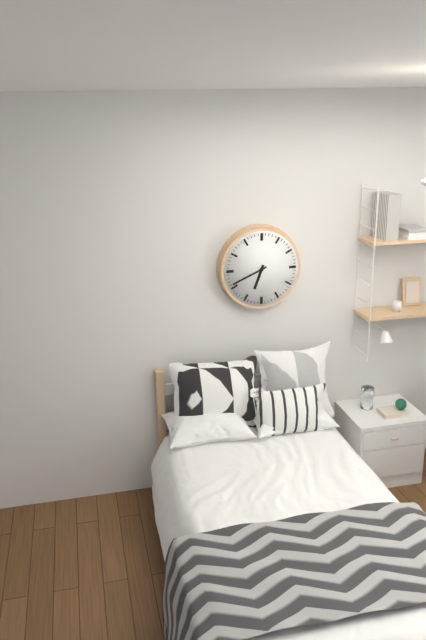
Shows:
6h41
